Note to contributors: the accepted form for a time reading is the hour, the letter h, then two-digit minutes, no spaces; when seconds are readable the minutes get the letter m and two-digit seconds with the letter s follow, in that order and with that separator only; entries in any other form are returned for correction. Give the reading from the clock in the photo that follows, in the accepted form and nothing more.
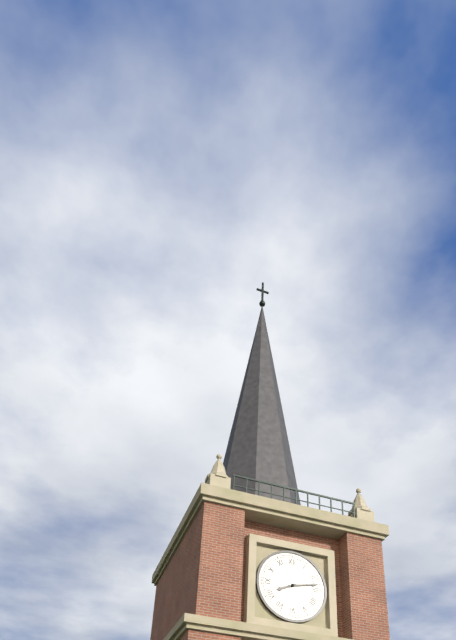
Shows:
8h13
